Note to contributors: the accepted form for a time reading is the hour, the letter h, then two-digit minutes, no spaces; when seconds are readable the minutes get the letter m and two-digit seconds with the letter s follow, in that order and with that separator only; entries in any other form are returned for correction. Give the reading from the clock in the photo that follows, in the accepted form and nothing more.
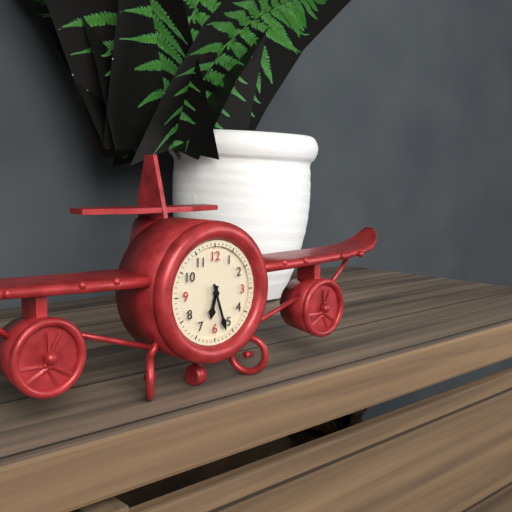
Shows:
6h27
